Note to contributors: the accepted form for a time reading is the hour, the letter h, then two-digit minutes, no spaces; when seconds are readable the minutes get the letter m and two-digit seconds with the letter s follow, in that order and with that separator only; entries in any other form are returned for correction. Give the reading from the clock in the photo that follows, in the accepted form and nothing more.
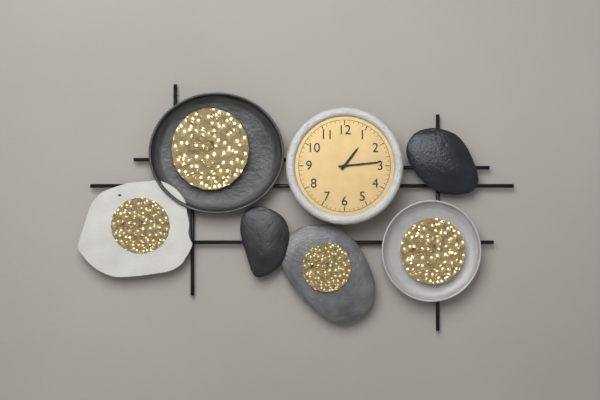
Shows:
1h14
